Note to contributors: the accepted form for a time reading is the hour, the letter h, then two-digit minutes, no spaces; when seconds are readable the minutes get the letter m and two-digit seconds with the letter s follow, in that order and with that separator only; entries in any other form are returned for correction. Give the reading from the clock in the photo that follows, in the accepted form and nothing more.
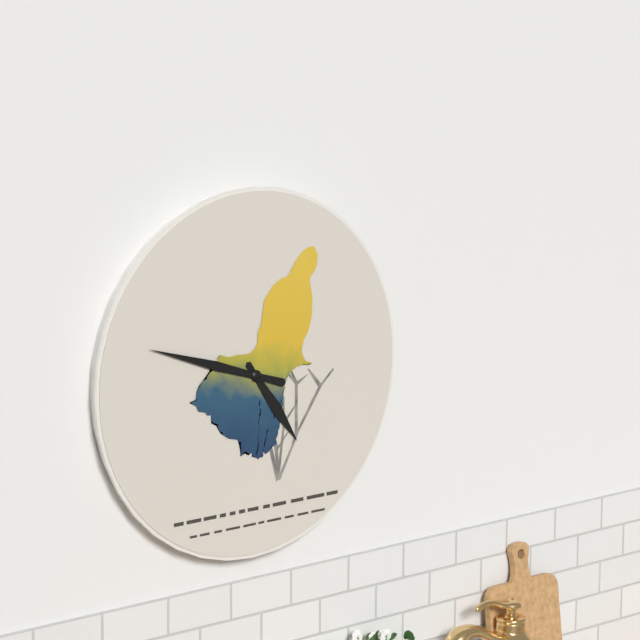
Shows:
4h48
